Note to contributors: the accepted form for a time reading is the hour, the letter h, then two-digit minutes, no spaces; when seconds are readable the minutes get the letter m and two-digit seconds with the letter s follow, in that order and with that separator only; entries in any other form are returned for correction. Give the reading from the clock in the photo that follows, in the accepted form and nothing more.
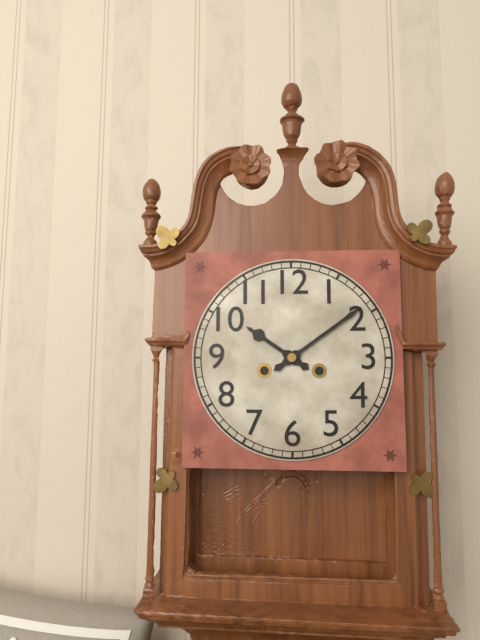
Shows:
10h09
